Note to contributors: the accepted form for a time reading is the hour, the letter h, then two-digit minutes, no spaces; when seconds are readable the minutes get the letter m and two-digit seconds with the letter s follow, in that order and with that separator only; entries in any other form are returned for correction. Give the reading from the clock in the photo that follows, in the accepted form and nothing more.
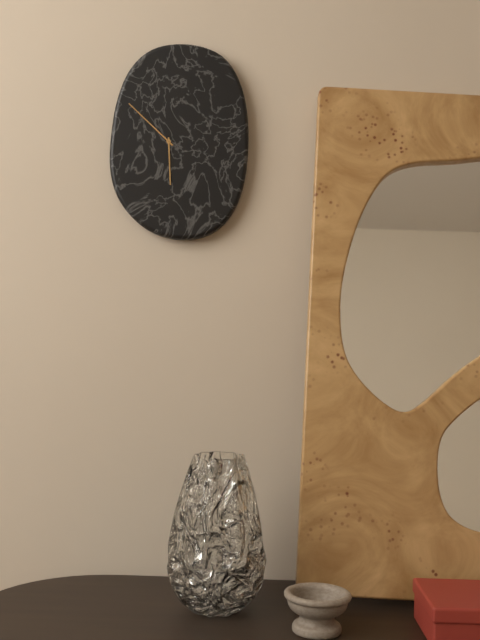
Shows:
5h52
